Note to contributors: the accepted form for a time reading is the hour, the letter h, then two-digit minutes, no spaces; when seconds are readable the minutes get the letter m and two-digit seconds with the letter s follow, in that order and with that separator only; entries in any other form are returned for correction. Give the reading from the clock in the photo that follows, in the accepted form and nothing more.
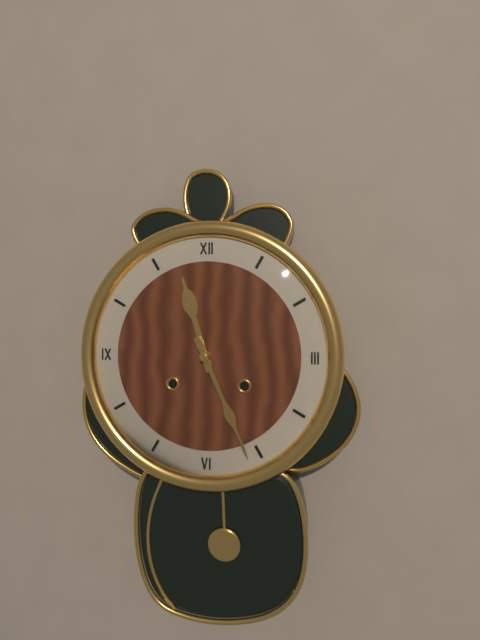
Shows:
11h26
